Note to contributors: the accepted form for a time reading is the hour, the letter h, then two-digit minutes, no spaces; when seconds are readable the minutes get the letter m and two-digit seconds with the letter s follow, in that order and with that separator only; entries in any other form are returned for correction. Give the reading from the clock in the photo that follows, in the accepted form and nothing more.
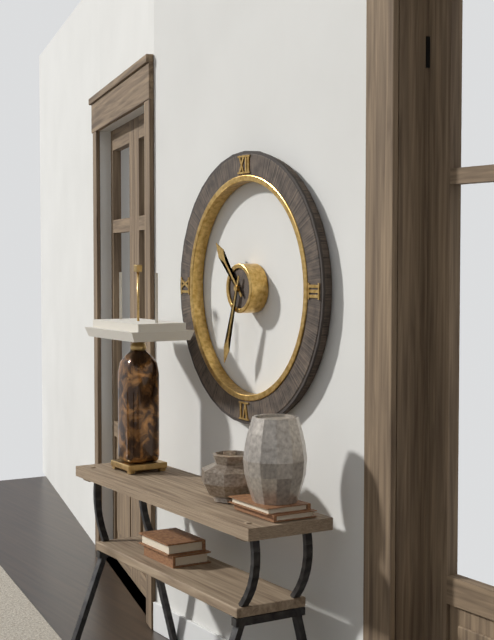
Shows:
10h33
